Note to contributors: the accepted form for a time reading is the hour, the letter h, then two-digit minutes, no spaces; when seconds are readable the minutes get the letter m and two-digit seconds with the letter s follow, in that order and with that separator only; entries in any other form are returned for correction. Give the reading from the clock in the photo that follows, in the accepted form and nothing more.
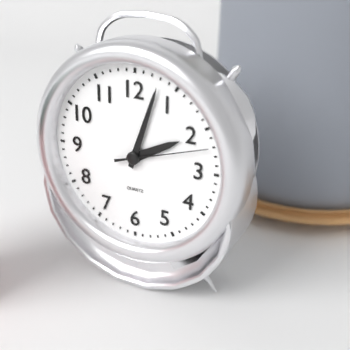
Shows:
2h03m12s
